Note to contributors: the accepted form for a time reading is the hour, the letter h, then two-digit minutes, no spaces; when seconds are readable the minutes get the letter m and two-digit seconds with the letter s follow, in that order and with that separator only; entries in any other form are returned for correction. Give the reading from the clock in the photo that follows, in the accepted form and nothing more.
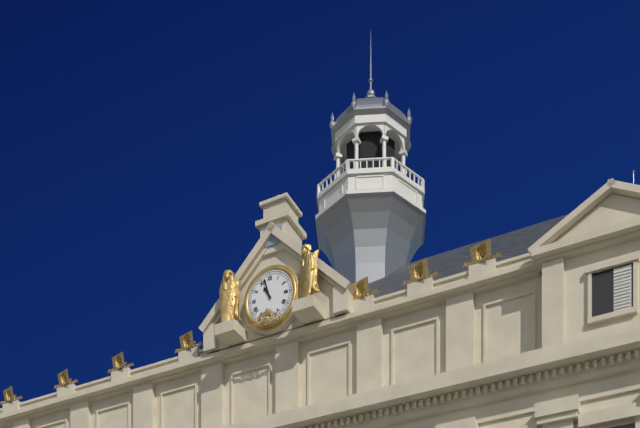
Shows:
10h57
